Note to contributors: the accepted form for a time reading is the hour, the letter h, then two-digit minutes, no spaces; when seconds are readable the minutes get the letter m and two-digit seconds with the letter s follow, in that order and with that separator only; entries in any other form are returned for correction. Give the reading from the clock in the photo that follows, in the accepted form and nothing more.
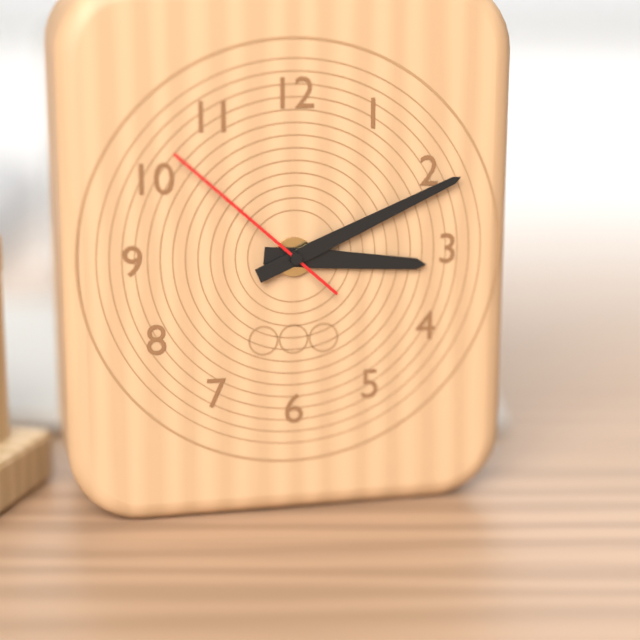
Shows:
3h11m52s
